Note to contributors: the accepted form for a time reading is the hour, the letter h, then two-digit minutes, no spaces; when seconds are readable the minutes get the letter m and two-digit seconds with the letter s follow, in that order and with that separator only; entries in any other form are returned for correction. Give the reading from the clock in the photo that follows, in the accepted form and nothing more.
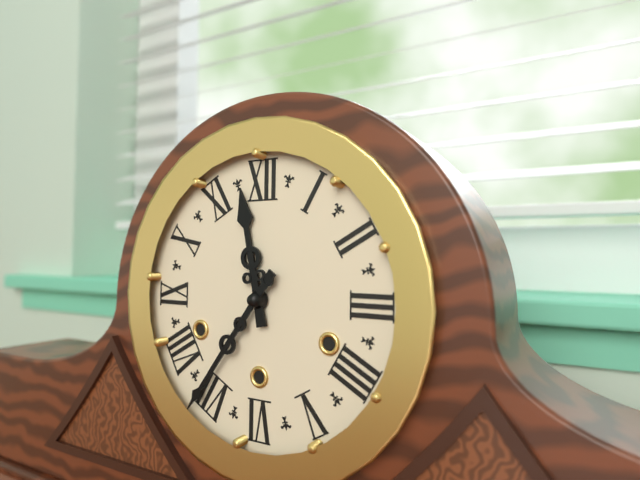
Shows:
11h36
